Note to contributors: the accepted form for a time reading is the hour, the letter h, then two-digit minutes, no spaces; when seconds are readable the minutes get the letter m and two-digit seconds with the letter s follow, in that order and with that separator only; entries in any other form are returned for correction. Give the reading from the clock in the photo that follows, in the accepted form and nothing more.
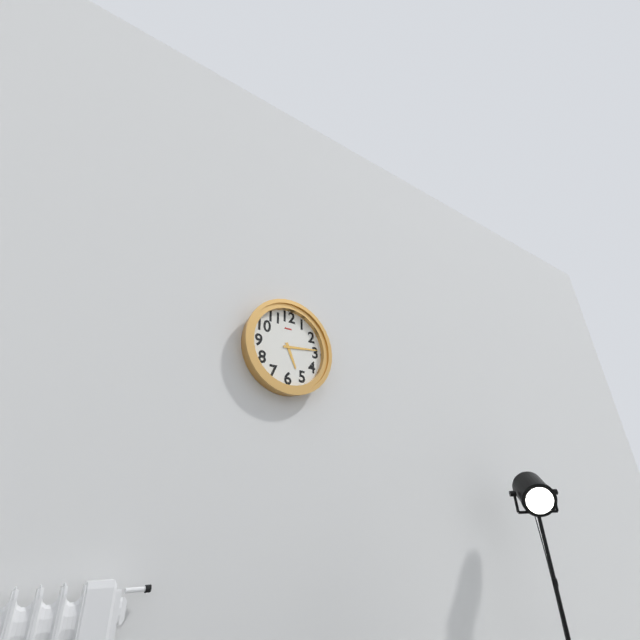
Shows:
5h14
